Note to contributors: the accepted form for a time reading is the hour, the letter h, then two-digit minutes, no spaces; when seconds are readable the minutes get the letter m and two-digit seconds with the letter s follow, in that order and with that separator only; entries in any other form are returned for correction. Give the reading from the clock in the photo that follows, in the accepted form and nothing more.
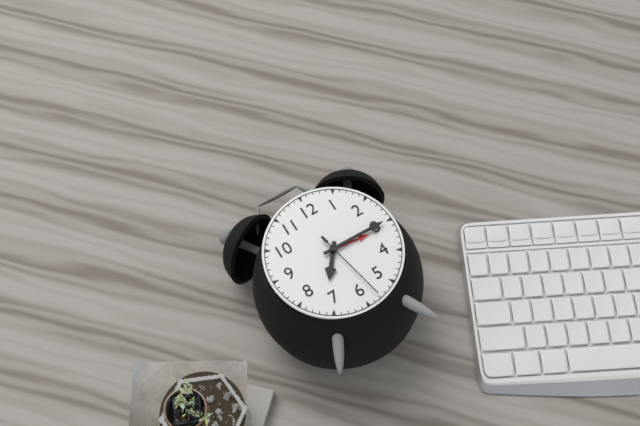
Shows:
7h15m28s
